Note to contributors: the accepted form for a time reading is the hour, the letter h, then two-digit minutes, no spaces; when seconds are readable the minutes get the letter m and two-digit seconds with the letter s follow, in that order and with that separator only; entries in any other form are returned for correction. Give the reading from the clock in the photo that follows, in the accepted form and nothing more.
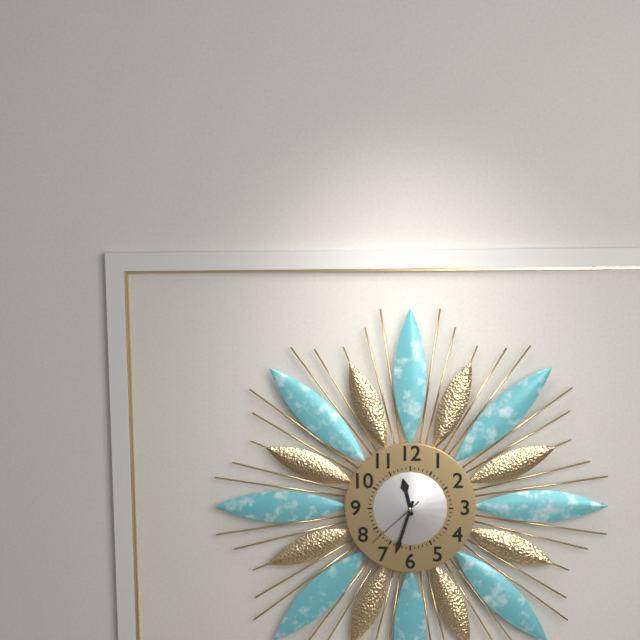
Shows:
11h33m38s
